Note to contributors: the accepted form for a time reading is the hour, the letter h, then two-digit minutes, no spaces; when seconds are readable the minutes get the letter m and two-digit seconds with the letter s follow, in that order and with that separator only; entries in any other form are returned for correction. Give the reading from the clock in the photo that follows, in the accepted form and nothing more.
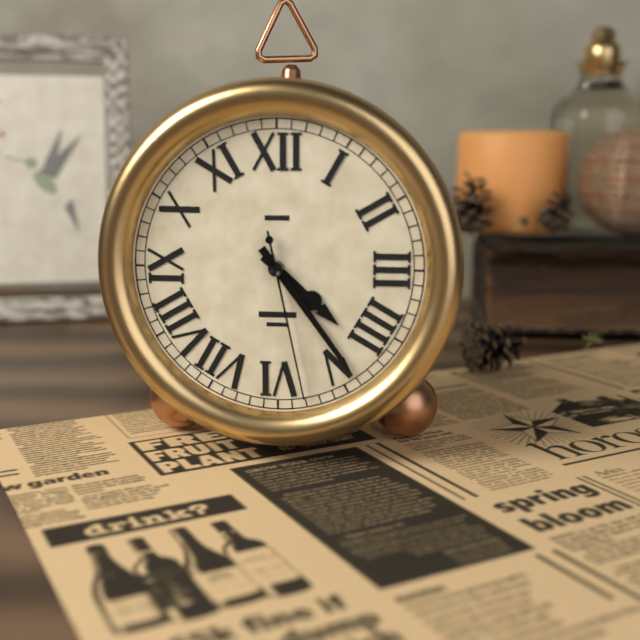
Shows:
4h24m28s
